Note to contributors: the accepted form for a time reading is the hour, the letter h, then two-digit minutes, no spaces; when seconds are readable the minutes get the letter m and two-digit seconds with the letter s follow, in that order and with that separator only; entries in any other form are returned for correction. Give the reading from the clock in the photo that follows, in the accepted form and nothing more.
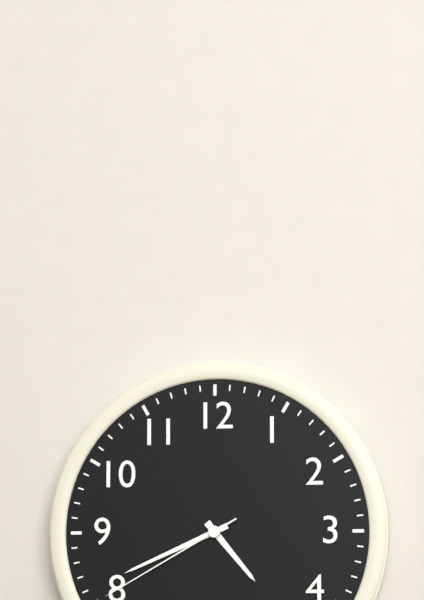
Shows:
4h41m40s
